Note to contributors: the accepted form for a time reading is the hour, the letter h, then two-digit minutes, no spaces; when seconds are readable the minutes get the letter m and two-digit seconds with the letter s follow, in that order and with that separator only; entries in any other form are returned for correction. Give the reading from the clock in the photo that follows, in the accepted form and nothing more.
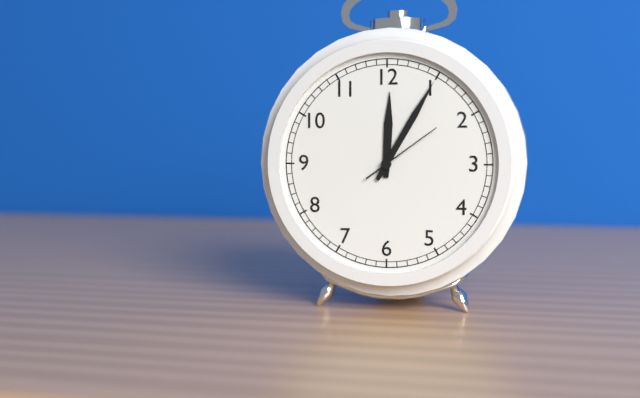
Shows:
12h05m09s
